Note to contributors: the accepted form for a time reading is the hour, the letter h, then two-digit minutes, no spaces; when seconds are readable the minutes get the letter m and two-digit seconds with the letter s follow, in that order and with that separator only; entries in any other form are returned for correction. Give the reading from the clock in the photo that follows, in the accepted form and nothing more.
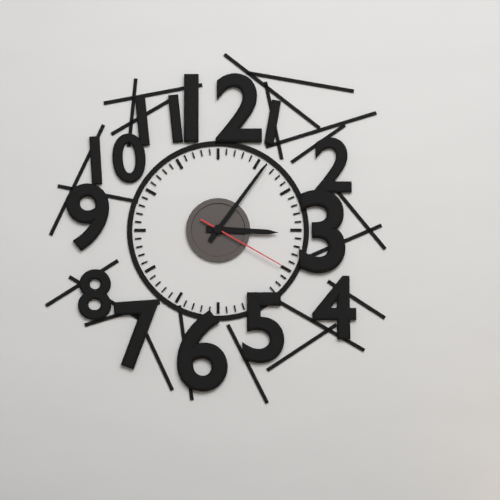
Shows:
3h06m20s
